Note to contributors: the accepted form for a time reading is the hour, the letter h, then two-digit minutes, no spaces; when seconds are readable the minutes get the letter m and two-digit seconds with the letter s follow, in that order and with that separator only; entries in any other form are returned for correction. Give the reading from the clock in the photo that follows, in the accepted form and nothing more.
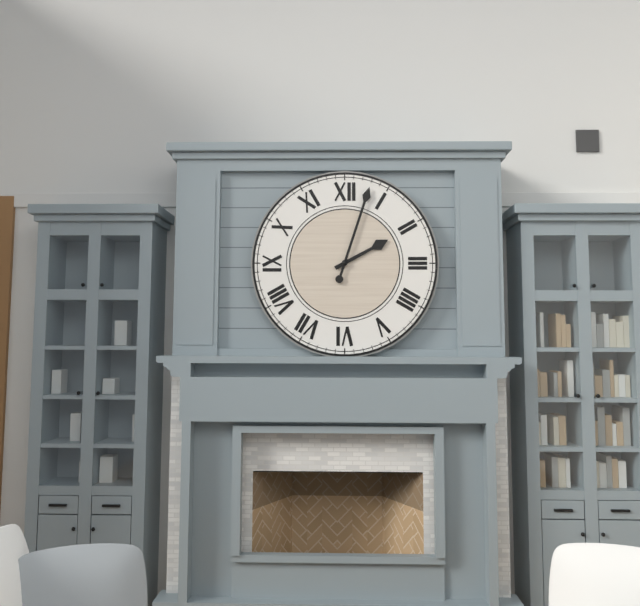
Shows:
2h03
